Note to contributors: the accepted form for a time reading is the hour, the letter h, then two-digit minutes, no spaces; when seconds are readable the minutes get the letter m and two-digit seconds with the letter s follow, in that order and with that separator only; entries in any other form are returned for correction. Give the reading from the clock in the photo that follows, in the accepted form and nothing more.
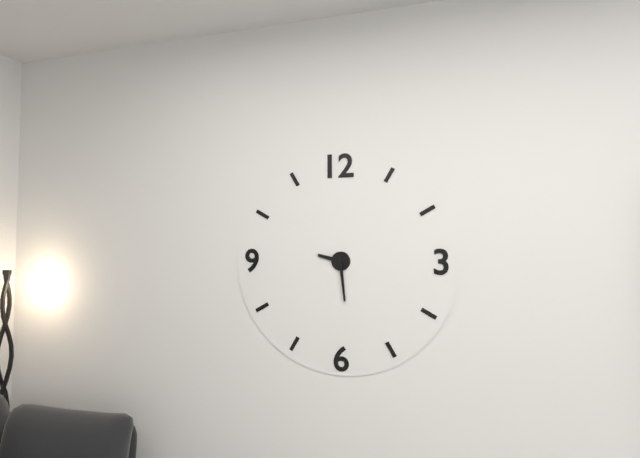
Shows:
9h29
